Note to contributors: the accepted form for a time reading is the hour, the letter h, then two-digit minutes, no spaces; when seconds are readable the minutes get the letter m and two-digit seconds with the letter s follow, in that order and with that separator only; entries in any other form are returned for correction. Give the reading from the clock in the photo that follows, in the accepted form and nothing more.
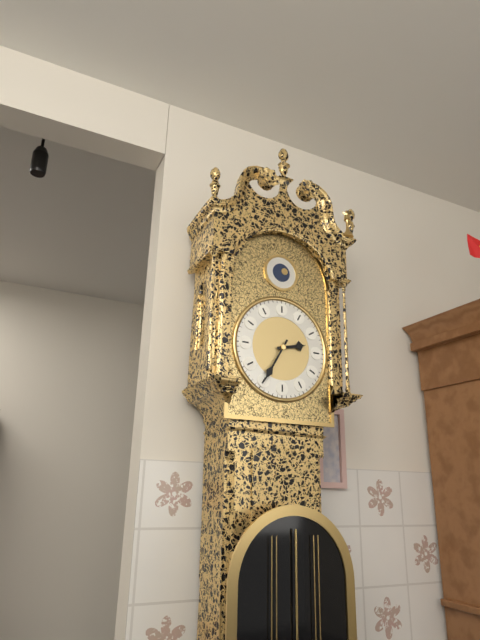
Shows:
2h35
